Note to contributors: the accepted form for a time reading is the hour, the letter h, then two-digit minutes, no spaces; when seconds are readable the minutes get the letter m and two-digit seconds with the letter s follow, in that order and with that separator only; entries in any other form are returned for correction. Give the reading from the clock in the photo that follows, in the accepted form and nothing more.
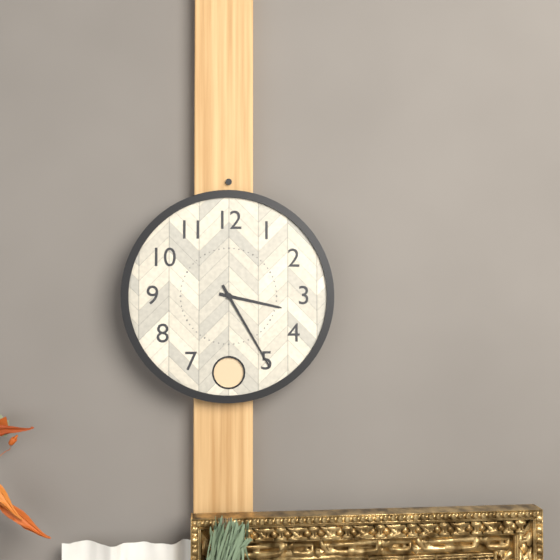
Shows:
3h25
